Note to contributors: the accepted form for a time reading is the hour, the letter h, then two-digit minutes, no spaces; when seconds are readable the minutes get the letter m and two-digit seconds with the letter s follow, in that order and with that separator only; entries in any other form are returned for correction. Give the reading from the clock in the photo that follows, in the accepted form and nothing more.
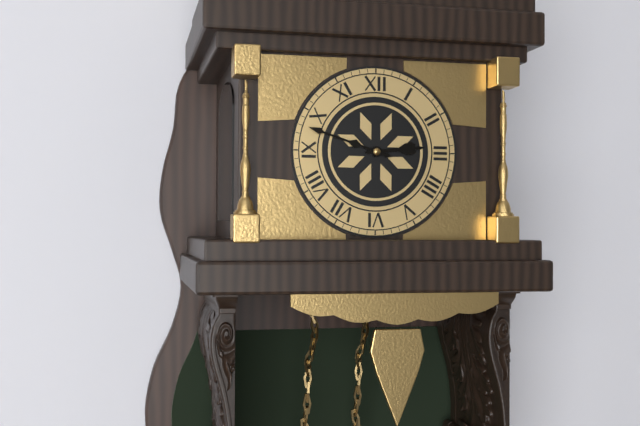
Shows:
2h48
